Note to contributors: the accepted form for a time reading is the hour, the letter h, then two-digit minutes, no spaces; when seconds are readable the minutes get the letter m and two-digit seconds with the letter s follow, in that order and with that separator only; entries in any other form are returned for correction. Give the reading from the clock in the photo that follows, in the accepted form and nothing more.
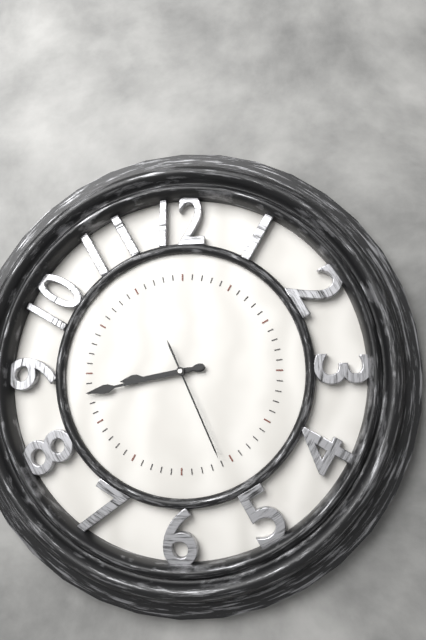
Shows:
8h43m26s
